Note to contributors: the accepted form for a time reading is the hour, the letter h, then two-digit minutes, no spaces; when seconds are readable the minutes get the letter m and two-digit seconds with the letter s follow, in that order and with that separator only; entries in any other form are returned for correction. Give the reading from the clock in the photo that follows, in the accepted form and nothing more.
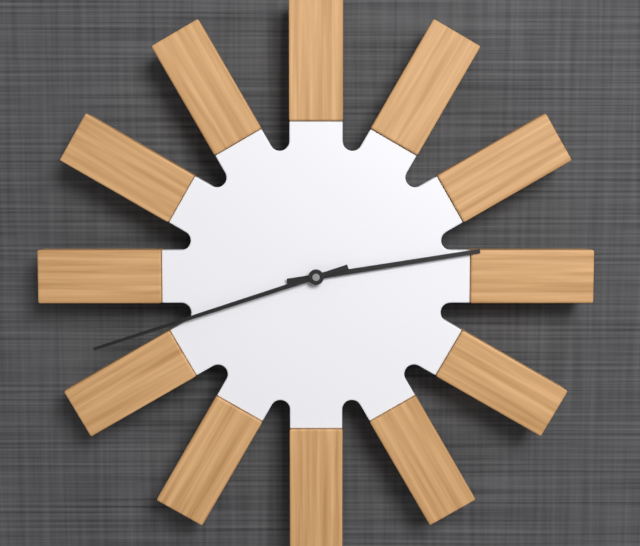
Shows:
2h42
